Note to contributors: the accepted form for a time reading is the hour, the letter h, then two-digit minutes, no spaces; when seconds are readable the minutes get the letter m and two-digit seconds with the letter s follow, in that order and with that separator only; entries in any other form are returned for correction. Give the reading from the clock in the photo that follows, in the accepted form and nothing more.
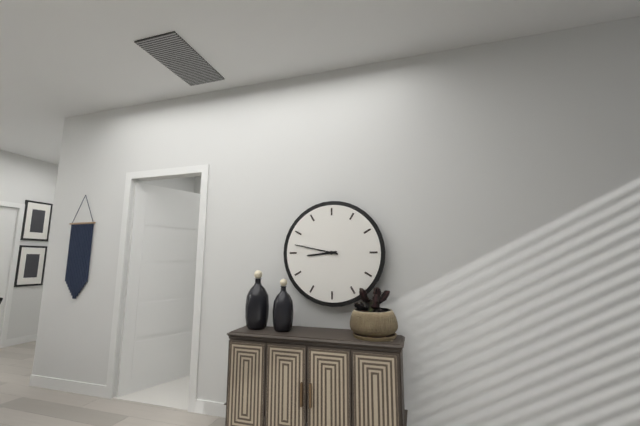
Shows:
8h47
